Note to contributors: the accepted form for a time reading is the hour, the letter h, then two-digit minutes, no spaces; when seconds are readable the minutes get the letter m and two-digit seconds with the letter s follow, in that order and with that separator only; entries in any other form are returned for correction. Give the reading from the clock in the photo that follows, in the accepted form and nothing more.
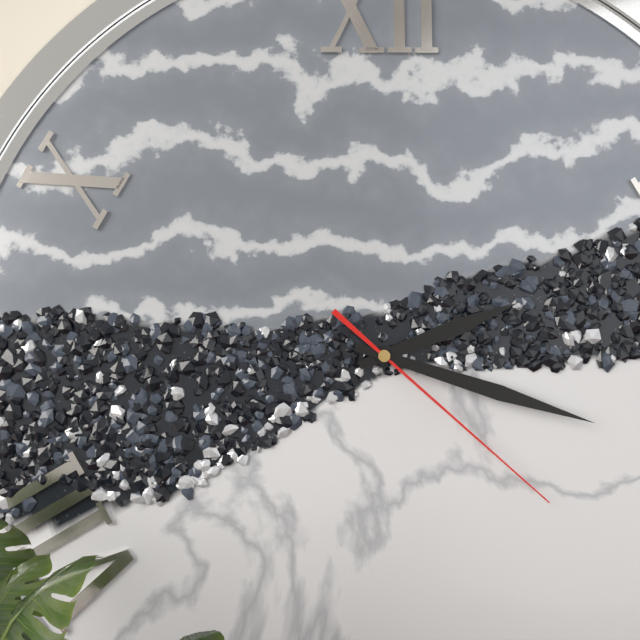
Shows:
2h18m22s
